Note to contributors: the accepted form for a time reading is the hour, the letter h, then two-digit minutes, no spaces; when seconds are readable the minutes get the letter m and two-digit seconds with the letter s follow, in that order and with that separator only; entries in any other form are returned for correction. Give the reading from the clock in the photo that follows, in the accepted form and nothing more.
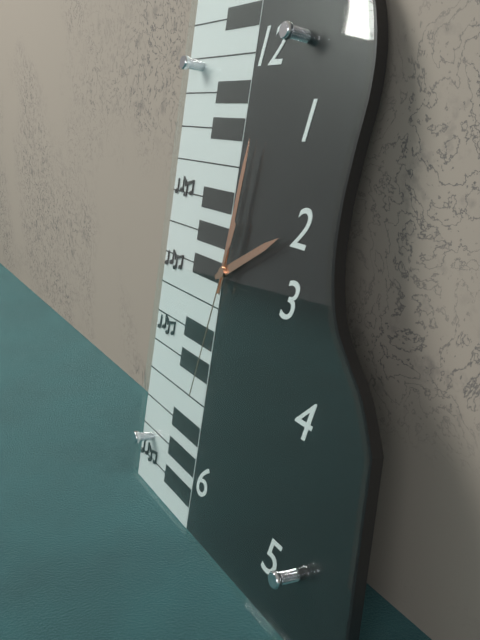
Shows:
2h01m32s
